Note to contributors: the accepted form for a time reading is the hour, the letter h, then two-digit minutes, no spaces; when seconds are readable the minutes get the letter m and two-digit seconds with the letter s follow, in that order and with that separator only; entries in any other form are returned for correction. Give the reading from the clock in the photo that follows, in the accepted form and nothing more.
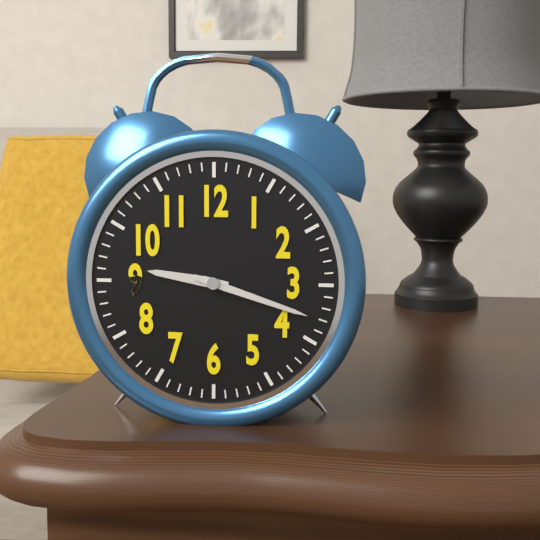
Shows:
9h18
